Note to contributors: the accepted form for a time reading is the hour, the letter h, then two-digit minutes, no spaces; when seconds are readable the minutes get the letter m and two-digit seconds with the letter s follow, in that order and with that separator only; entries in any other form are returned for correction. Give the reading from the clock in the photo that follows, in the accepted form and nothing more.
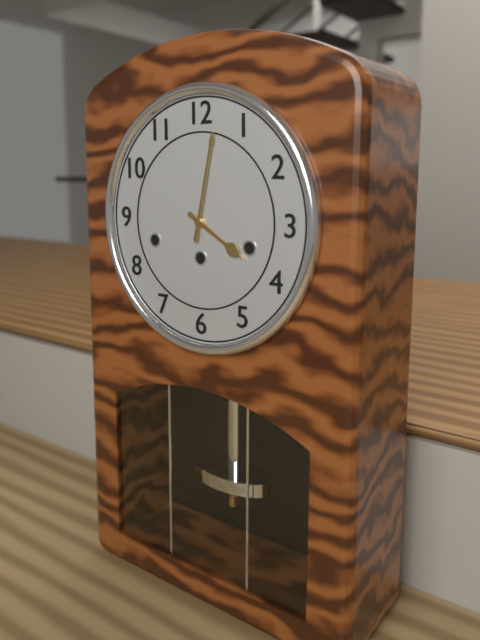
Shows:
4h02
